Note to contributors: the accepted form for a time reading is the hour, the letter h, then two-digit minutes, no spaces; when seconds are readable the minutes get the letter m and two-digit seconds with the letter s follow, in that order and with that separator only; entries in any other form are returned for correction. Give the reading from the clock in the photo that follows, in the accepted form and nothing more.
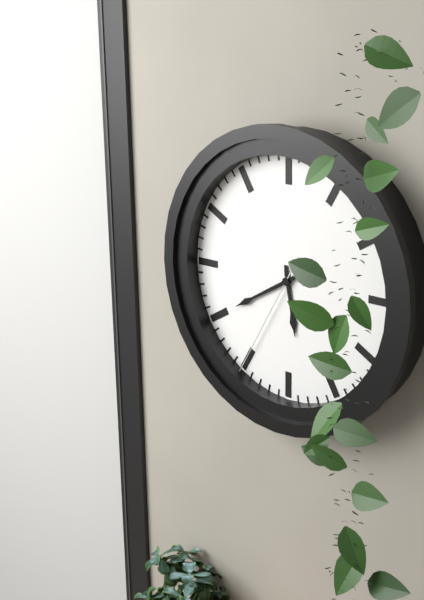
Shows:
5h40m35s
